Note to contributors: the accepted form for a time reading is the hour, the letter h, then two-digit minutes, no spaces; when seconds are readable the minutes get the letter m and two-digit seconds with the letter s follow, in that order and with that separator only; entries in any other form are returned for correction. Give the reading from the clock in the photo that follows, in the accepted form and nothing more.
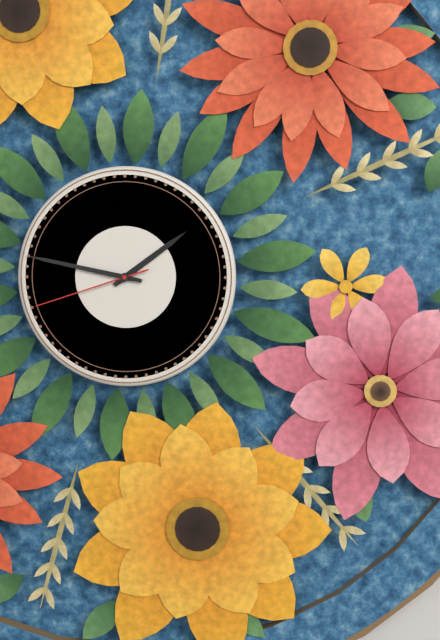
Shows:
1h47m42s
